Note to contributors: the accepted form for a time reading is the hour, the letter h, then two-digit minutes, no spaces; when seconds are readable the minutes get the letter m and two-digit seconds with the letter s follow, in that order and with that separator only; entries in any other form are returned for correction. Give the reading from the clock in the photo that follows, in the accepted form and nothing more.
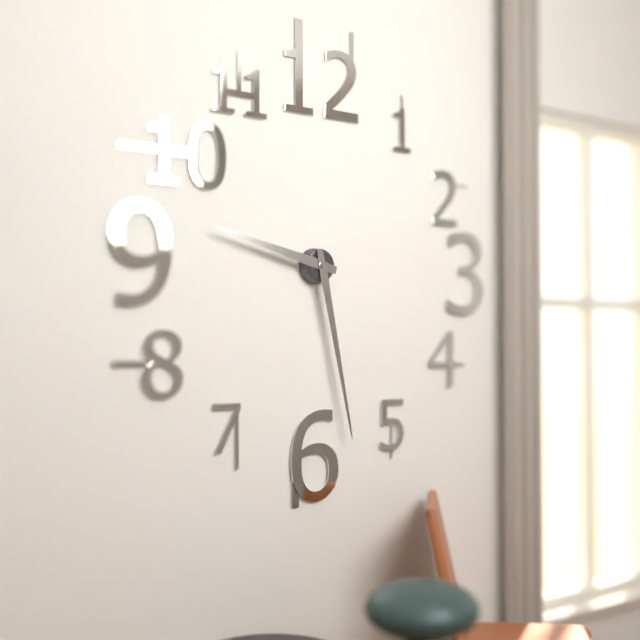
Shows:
9h28
